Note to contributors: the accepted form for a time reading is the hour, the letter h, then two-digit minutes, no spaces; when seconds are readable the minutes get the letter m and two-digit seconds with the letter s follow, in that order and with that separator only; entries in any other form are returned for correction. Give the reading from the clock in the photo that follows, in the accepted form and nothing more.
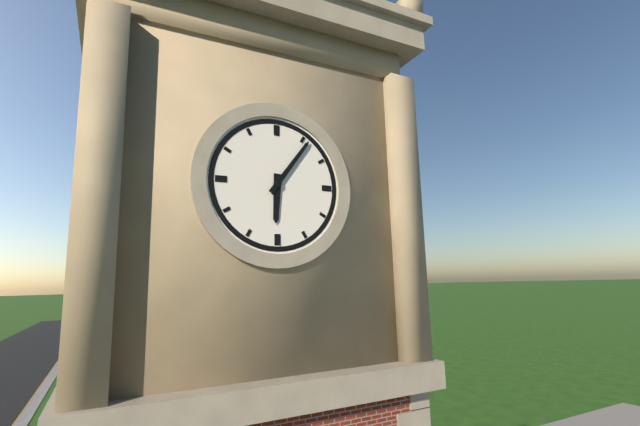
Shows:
6h06
